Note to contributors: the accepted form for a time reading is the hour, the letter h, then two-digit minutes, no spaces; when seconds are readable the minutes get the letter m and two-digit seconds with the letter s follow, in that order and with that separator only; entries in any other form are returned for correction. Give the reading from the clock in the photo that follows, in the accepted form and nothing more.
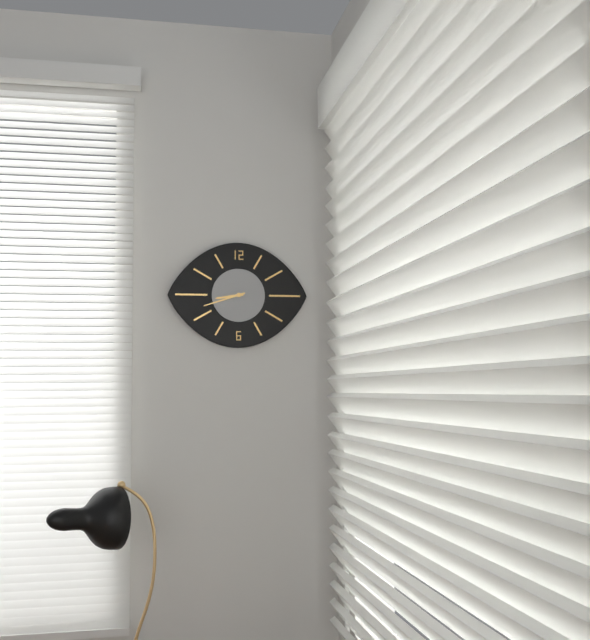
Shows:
8h42
